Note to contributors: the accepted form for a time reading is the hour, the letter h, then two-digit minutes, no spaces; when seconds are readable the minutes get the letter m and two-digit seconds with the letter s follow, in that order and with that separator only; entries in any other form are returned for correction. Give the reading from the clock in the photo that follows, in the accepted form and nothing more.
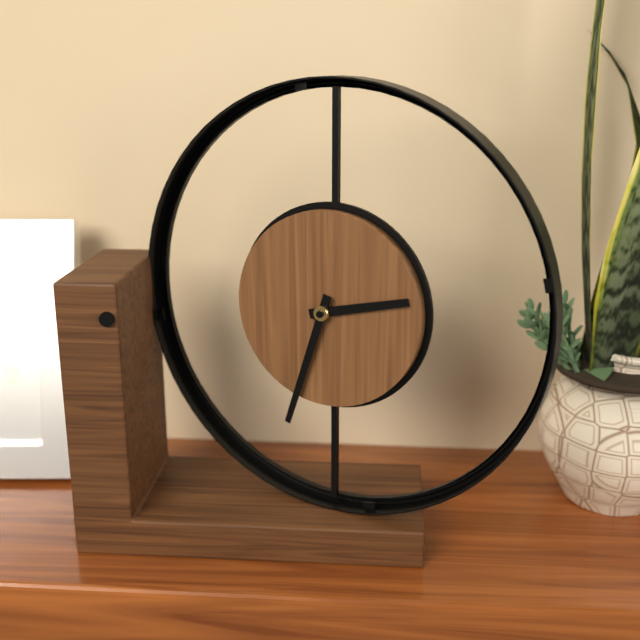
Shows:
2h33
